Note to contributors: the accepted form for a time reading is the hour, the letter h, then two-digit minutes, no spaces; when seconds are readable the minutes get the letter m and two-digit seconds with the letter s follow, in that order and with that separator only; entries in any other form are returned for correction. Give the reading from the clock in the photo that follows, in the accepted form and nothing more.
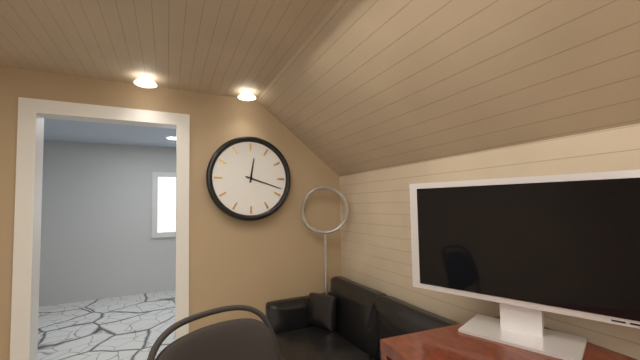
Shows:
12h18
